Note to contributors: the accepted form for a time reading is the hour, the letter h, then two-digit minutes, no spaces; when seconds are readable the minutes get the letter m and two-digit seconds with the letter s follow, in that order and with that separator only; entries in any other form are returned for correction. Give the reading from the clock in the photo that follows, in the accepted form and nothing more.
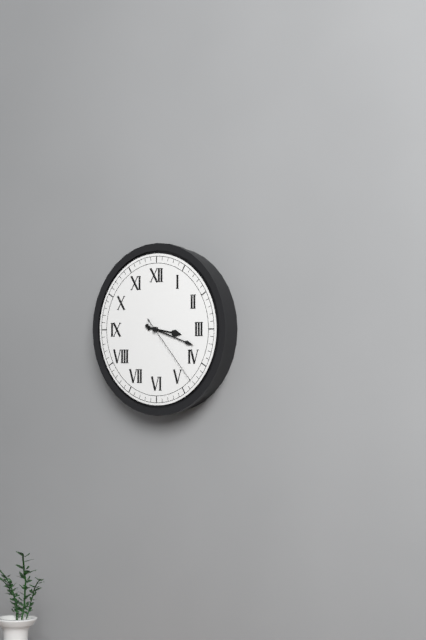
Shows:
3h18m23s
